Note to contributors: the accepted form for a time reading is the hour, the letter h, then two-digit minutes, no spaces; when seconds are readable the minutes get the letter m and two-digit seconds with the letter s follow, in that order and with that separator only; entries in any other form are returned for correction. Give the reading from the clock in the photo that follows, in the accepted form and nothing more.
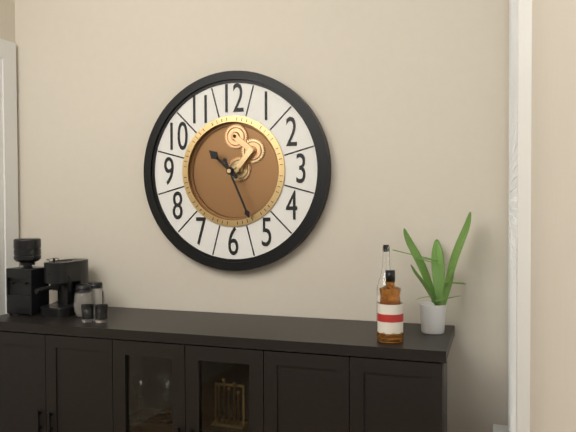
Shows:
10h26
